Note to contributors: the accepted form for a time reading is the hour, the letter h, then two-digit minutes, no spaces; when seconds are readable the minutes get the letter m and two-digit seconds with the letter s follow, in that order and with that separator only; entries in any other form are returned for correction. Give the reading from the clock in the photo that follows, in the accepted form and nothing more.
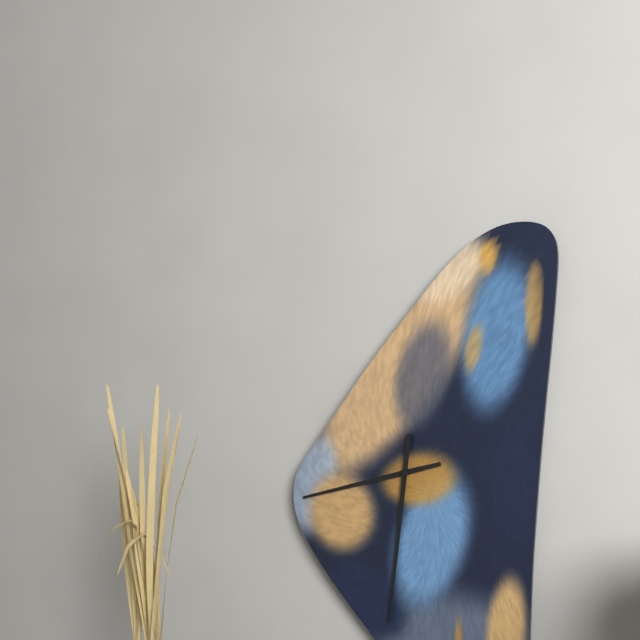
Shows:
8h31
